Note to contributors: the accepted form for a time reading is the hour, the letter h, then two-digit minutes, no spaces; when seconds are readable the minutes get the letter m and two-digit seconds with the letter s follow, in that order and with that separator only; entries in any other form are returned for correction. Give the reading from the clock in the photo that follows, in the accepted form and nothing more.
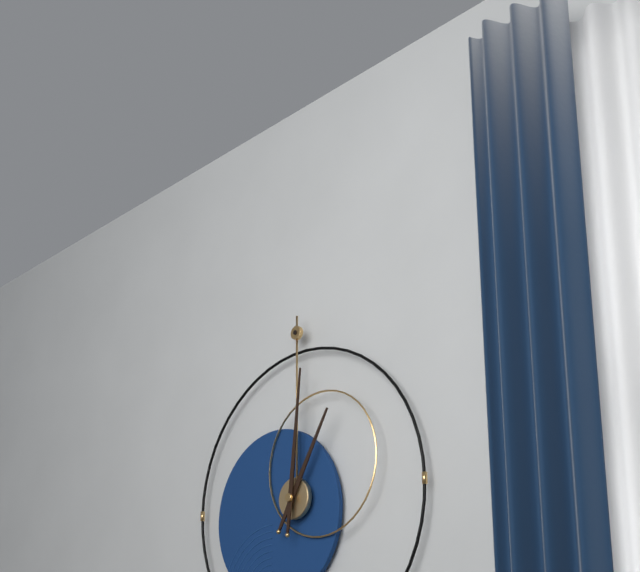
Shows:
1h01
